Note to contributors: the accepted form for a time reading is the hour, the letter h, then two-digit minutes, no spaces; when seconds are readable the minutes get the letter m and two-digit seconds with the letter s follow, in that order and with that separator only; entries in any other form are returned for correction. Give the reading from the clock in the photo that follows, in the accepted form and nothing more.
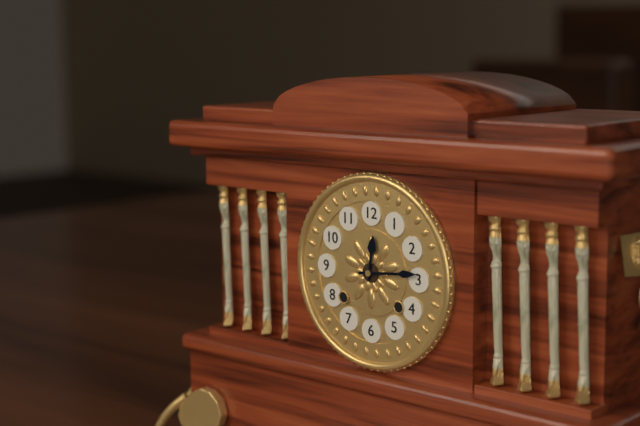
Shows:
12h14
